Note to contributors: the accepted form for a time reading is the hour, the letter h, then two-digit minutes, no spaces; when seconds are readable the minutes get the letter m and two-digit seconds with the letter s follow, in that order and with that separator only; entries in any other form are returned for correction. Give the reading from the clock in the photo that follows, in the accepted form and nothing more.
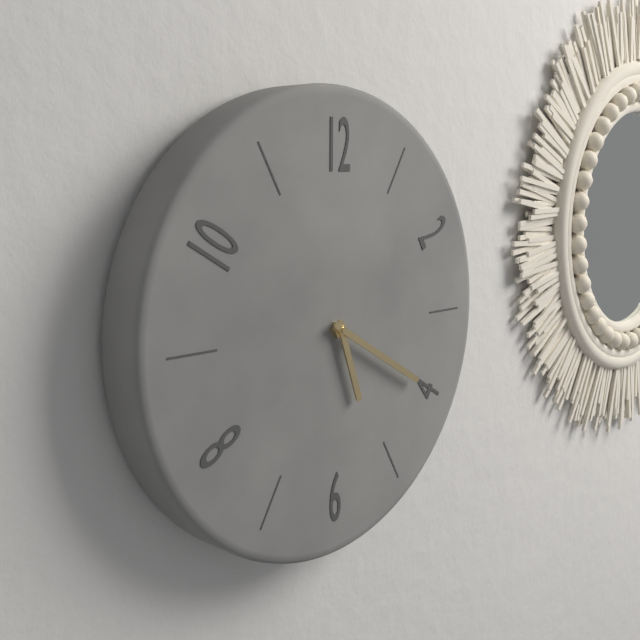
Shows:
5h20
